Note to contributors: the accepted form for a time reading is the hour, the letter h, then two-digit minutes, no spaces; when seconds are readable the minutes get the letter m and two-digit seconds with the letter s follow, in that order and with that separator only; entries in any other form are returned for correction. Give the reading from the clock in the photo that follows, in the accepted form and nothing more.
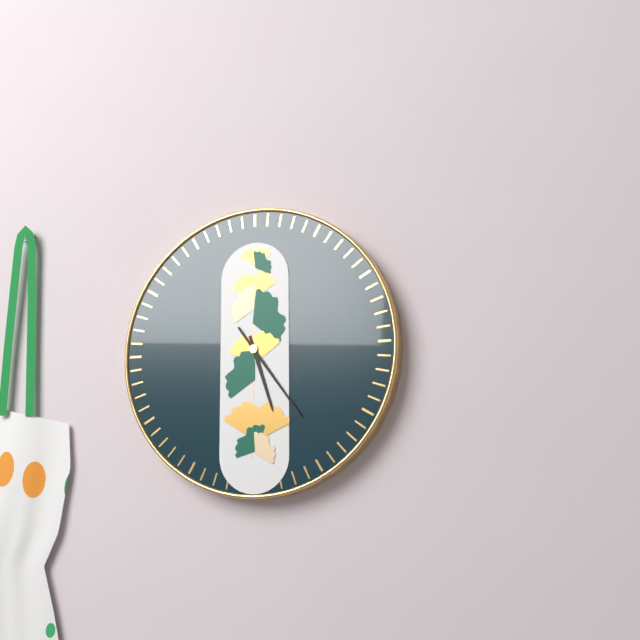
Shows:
5h24
